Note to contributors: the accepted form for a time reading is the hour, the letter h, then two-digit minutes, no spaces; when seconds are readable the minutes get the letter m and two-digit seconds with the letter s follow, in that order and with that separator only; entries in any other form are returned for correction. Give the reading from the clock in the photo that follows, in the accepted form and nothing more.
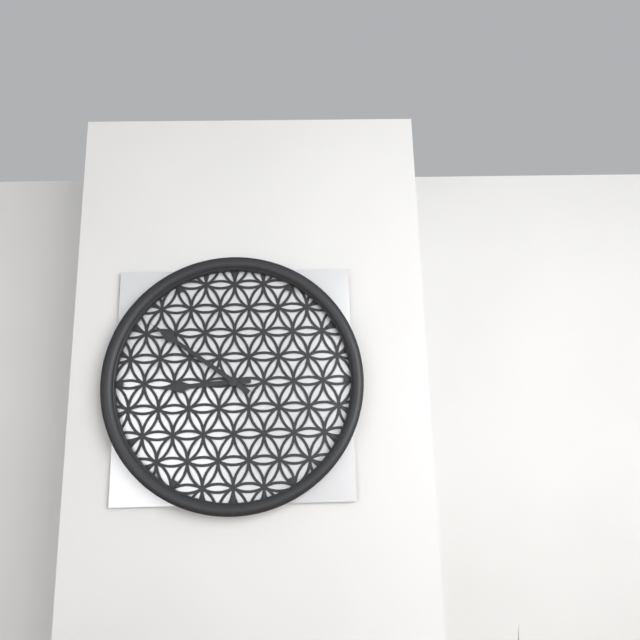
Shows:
8h51
